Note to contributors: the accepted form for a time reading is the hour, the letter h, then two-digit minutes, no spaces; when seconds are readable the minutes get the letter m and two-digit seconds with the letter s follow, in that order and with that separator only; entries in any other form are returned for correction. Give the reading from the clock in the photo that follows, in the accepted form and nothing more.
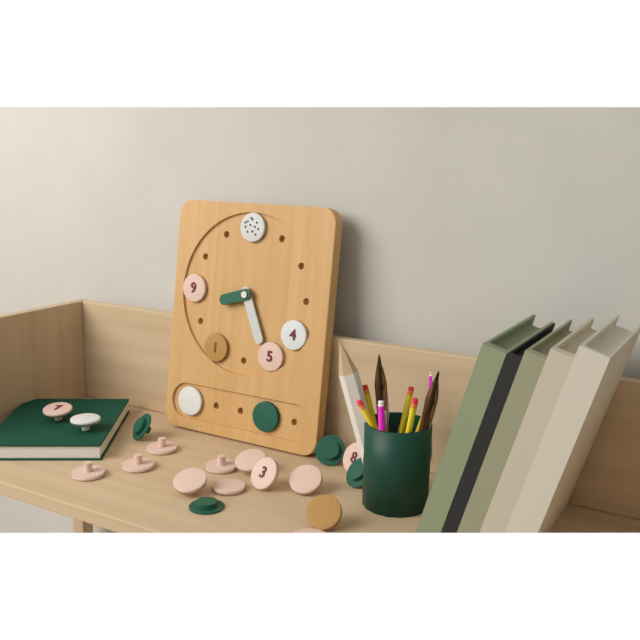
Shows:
8h26
